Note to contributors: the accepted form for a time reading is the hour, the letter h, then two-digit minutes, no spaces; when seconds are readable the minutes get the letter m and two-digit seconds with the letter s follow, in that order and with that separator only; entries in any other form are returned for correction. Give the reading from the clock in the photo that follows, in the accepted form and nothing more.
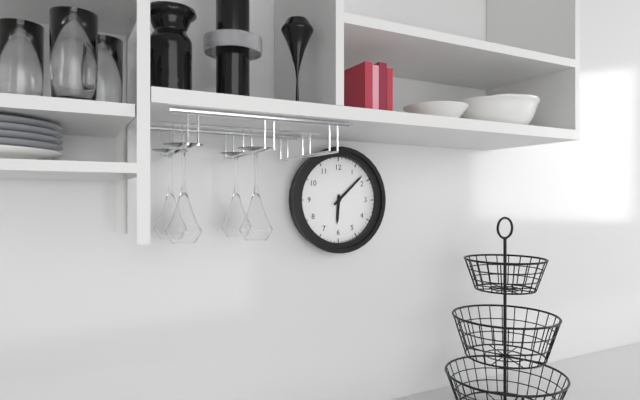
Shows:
6h08
